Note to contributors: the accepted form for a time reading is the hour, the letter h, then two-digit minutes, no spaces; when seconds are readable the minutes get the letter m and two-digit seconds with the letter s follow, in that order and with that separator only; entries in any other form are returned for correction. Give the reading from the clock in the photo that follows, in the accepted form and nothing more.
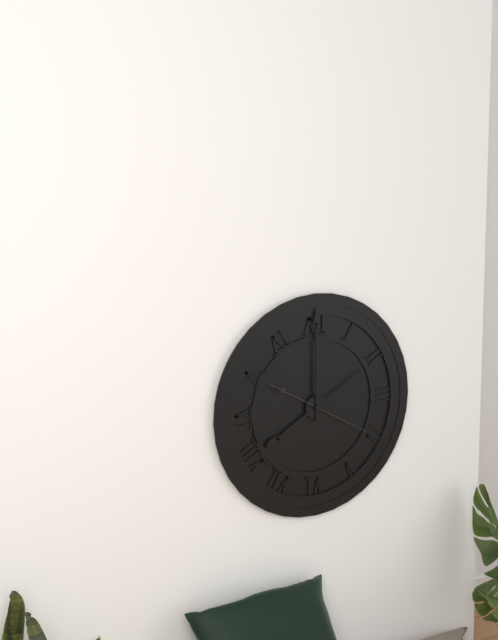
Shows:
8h00m20s
